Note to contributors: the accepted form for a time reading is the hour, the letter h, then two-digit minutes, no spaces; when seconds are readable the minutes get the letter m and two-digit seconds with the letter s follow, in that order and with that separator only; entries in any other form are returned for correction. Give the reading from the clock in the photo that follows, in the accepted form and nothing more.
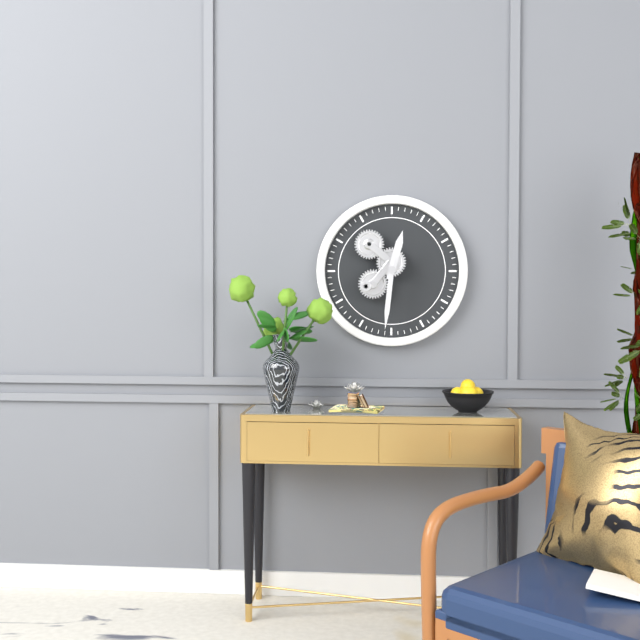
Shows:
12h31
